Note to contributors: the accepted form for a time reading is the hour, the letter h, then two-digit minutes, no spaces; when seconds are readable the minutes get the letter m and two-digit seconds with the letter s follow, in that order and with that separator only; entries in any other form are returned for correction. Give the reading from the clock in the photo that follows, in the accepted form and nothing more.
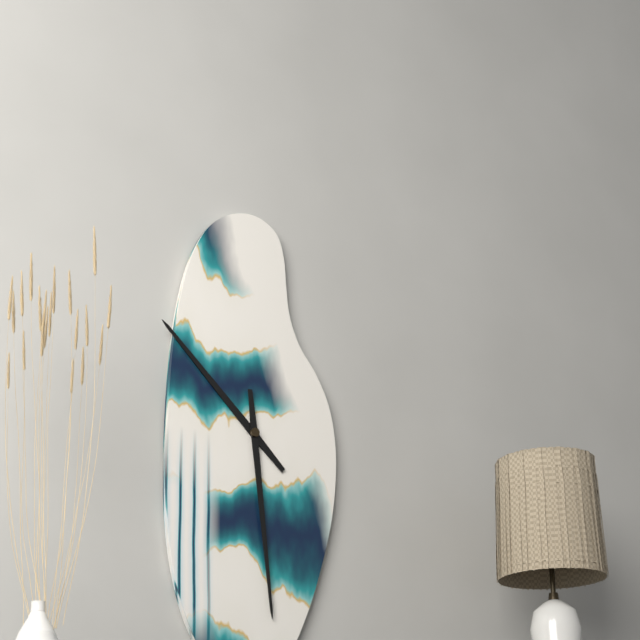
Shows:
10h29
